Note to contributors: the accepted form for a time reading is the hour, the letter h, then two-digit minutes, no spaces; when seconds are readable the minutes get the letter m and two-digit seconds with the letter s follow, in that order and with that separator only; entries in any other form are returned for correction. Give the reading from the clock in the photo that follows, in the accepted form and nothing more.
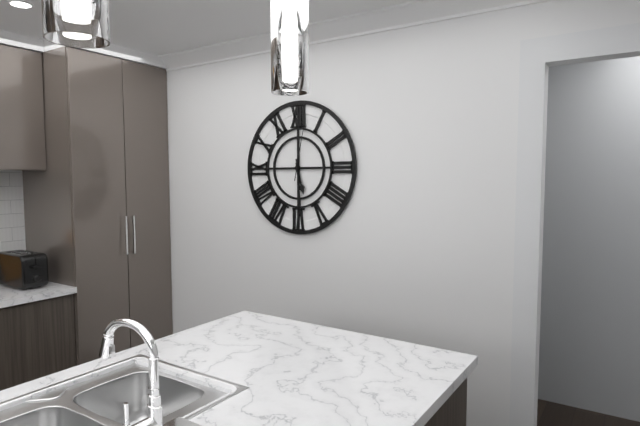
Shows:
5h29m02s
